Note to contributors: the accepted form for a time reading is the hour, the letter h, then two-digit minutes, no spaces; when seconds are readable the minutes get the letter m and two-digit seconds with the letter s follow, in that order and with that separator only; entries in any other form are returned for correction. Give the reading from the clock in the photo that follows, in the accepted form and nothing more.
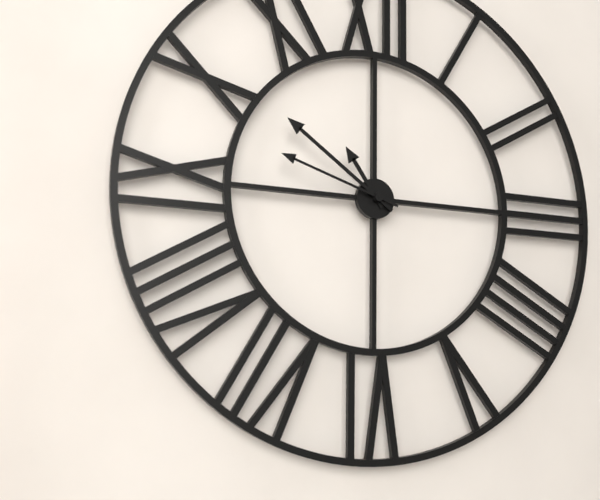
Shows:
10h51m48s
